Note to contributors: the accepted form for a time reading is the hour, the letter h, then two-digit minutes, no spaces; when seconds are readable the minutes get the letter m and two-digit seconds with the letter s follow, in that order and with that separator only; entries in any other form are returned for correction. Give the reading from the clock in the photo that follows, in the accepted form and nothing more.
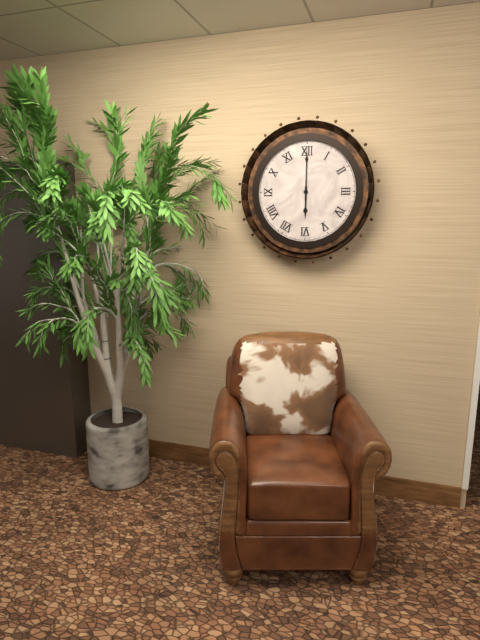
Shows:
6h00
